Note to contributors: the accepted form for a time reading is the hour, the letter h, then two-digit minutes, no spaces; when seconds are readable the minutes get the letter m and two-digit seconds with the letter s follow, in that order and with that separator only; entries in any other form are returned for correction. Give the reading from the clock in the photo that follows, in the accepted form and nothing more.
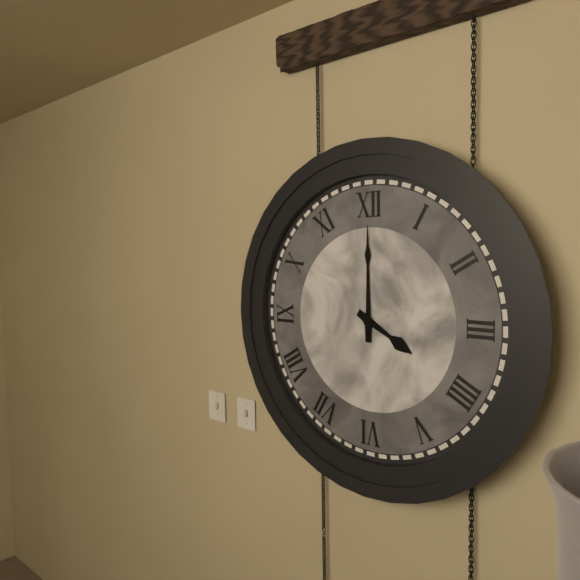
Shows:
4h00
